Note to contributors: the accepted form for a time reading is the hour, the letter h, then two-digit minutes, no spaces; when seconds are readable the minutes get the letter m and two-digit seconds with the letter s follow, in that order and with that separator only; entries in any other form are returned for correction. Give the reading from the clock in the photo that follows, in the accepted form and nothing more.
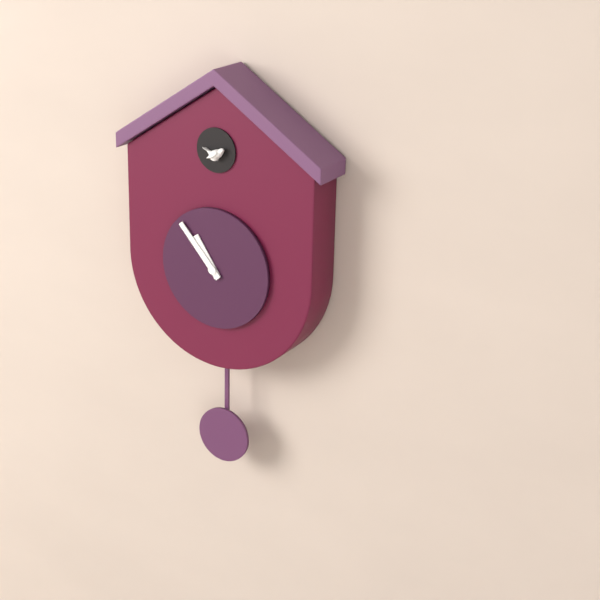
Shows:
10h53
